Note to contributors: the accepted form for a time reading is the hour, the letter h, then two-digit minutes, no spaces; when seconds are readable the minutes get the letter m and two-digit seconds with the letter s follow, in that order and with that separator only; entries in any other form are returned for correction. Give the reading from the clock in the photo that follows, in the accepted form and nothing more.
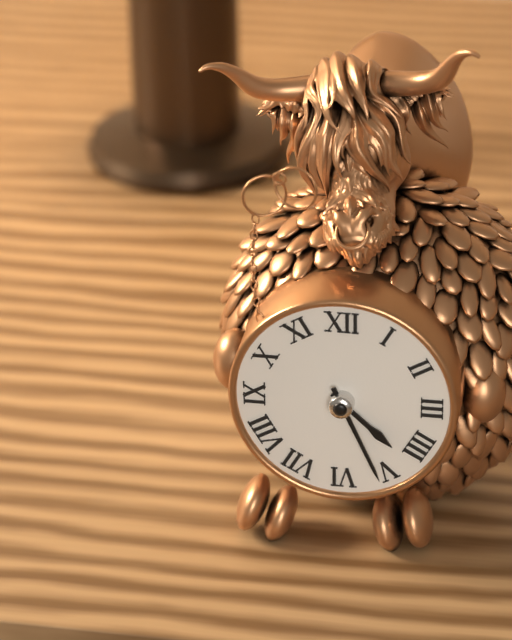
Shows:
4h26
